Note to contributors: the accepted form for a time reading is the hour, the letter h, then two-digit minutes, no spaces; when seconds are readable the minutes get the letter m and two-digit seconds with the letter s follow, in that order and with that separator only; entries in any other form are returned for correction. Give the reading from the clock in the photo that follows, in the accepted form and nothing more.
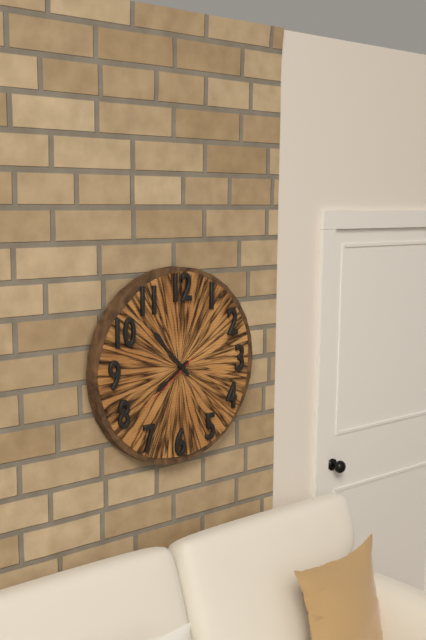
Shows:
7h53m39s
